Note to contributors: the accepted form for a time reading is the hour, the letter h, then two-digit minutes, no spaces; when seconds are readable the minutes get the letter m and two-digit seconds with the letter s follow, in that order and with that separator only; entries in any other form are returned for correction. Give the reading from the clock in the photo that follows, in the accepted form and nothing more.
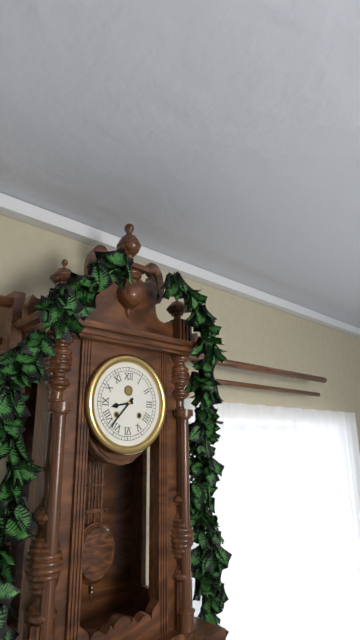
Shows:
8h37
